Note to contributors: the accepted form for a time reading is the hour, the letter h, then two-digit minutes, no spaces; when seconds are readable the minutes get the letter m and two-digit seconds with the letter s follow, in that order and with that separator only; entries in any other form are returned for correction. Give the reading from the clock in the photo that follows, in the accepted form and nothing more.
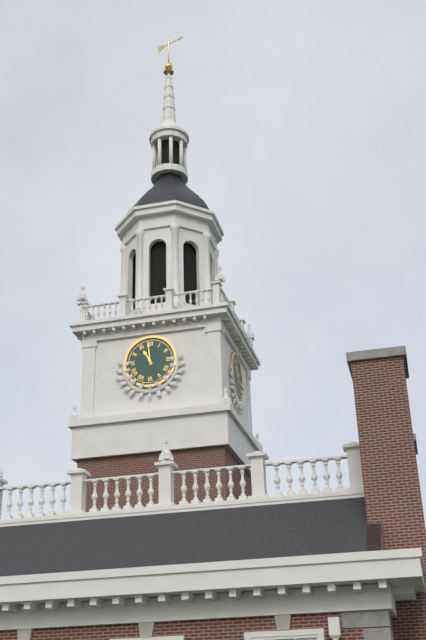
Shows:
10h59
